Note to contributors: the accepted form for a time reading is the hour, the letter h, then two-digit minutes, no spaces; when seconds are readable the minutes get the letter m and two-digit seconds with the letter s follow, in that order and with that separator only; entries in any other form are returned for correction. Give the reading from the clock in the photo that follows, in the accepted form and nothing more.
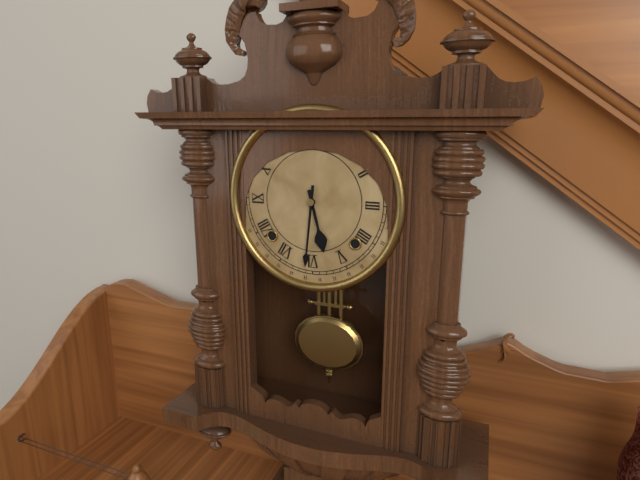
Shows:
5h31
